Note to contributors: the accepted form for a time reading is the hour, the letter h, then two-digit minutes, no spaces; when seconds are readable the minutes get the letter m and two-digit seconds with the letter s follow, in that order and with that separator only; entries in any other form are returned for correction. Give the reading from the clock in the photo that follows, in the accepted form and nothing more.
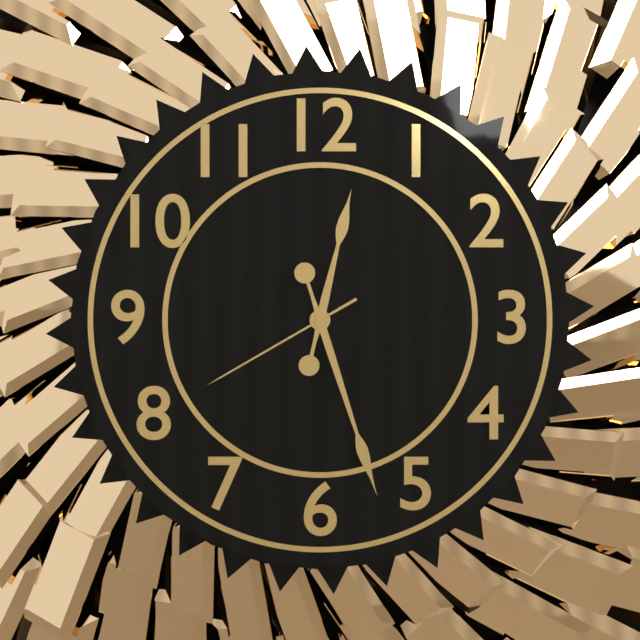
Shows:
12h27m40s
